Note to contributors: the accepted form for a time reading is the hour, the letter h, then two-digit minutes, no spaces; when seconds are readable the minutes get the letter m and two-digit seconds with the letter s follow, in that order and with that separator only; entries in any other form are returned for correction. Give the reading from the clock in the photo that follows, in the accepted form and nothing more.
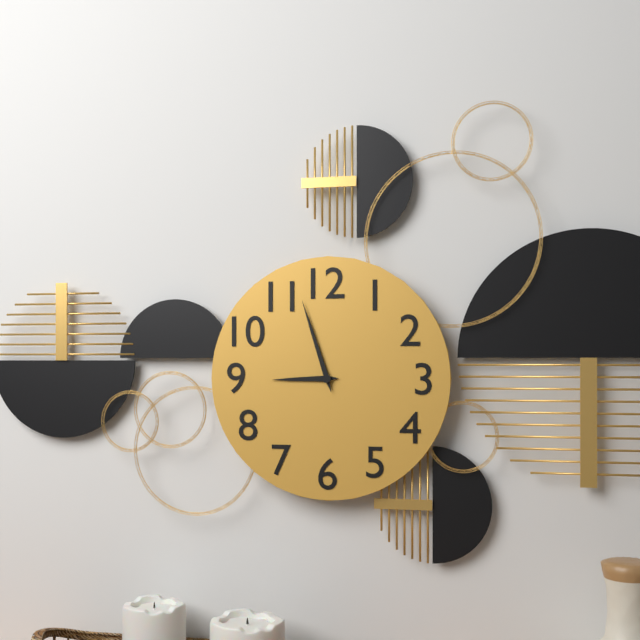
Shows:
8h57
